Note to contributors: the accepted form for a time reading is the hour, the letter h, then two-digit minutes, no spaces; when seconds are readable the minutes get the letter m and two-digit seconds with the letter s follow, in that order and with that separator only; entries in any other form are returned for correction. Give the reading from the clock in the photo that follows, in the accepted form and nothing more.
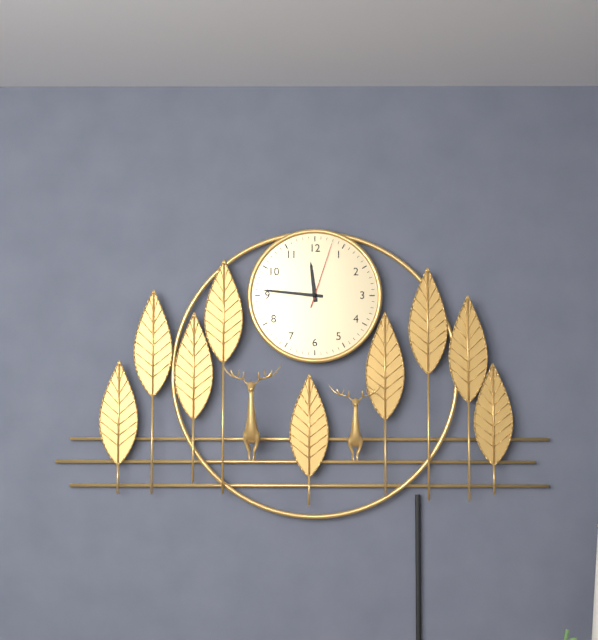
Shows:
11h46m03s
